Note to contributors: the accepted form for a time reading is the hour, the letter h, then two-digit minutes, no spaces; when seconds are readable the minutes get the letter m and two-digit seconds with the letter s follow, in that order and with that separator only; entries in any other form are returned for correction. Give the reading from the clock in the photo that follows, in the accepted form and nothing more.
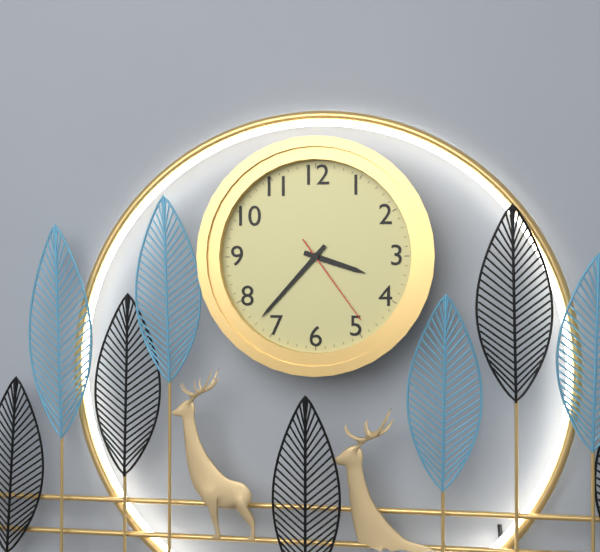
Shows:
3h37m24s
